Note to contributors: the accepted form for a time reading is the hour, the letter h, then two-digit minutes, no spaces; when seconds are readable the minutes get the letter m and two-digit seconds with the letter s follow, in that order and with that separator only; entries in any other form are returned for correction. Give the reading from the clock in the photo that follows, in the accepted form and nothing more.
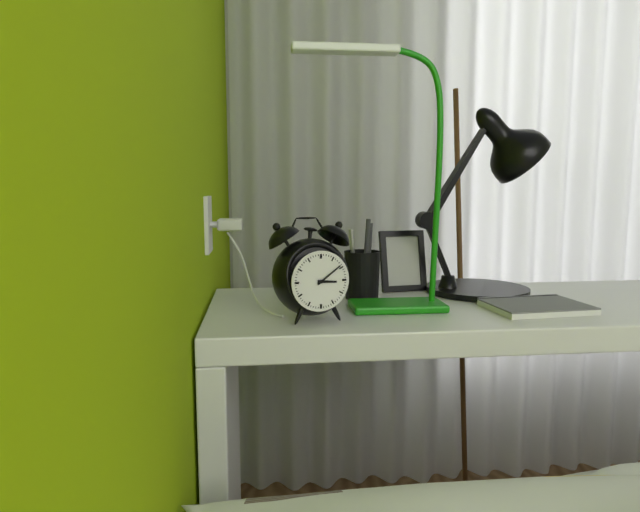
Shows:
3h09
